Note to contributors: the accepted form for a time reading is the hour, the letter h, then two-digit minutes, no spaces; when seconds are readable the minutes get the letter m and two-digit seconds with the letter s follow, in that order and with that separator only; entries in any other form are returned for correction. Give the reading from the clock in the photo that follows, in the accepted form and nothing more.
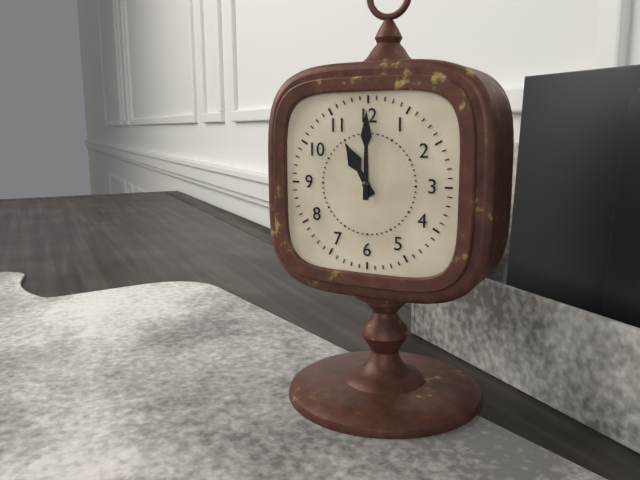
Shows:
11h00
